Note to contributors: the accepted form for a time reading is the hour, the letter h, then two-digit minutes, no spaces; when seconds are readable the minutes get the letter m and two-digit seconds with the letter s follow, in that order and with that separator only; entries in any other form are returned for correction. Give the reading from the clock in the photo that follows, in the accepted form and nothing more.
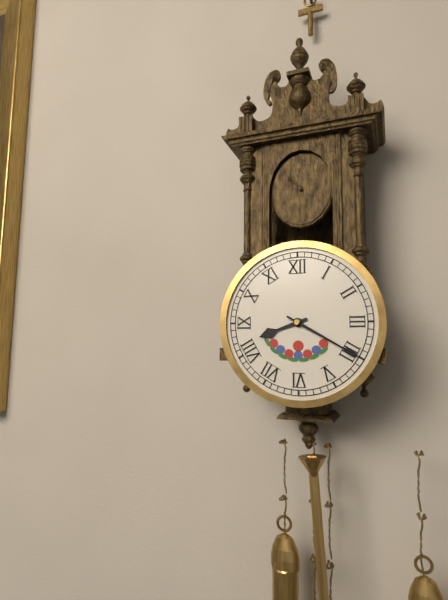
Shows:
8h20
